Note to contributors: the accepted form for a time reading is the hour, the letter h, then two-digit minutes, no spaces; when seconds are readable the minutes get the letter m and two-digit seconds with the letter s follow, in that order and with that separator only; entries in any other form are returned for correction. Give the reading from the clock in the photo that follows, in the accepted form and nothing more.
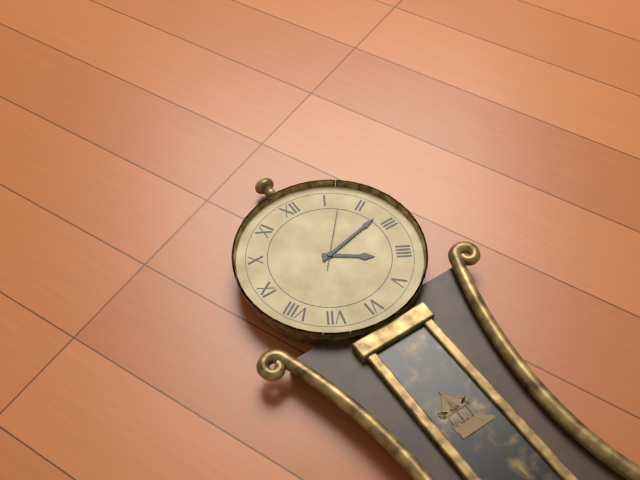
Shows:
4h13m07s
